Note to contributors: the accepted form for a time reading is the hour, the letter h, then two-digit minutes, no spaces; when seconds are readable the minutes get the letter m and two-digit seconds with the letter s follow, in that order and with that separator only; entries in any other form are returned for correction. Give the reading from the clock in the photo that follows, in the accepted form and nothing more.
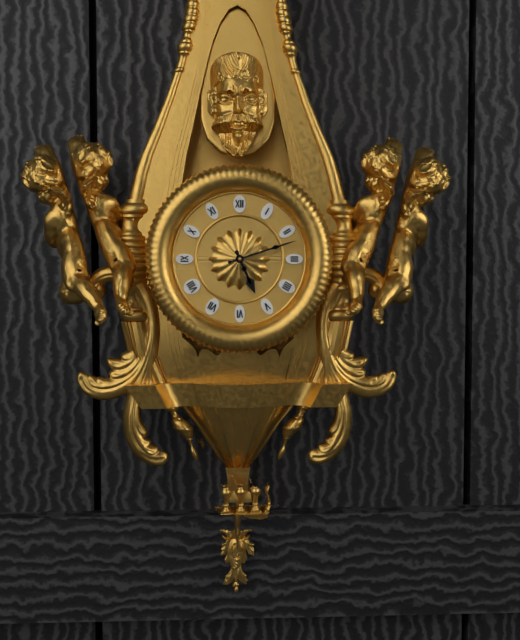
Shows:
5h12
